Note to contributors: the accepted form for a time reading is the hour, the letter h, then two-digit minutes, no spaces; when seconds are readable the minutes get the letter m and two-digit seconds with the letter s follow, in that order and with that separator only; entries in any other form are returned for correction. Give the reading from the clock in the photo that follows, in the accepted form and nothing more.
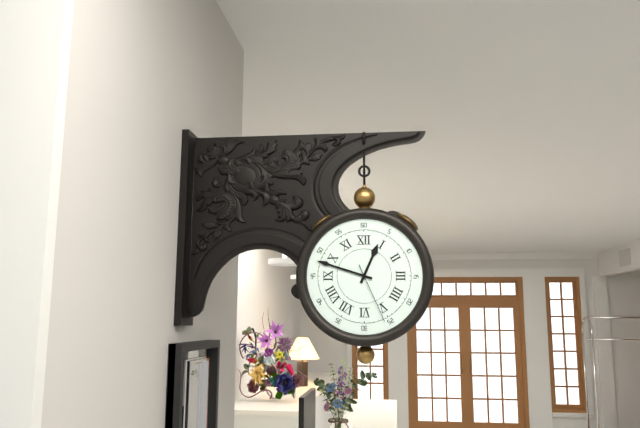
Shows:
12h48m26s
